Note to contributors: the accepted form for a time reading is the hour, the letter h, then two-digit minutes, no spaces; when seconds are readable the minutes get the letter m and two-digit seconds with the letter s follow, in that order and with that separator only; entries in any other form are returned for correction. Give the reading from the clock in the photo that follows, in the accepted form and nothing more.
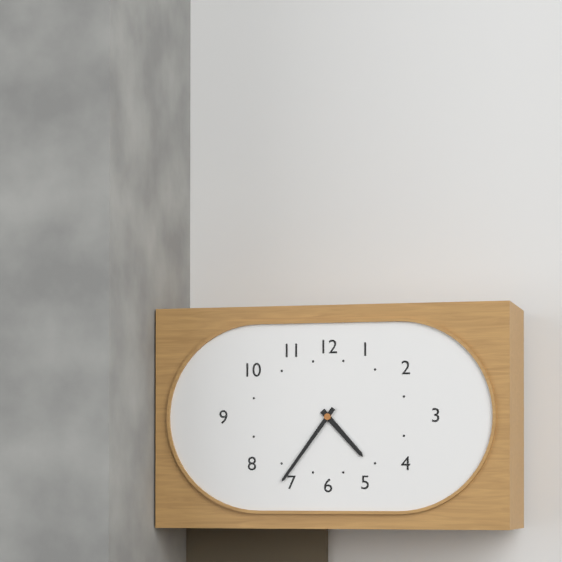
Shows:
4h36
